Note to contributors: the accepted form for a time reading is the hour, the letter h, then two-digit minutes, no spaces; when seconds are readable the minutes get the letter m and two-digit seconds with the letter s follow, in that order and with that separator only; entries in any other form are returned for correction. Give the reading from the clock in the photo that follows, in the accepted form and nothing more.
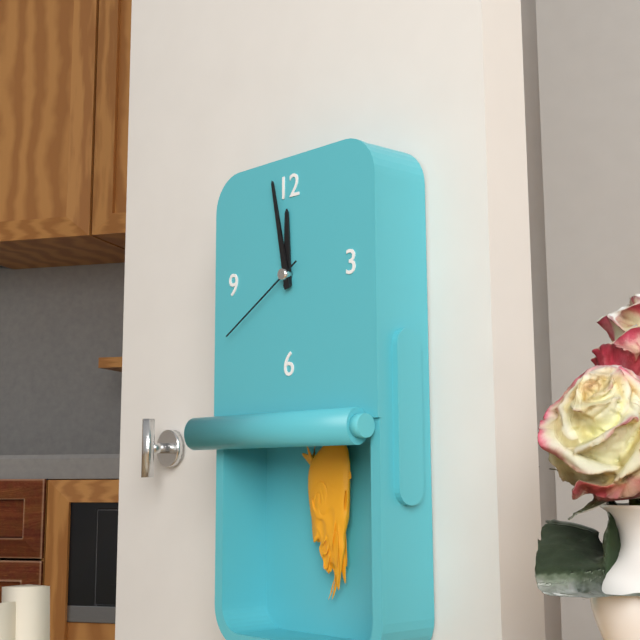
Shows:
11h58m40s
